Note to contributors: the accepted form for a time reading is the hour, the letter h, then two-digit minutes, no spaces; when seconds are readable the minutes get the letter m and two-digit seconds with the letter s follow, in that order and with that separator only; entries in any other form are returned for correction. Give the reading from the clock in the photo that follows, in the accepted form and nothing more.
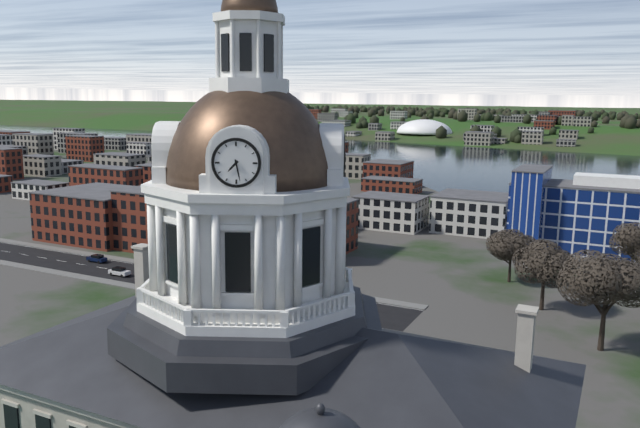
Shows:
7h28
